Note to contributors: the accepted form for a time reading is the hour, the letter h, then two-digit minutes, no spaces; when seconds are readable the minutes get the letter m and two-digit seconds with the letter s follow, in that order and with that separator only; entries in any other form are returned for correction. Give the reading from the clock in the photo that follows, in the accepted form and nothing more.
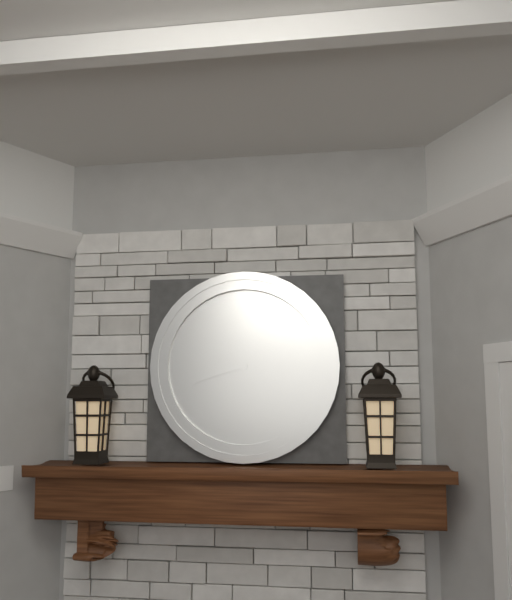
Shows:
1h42
